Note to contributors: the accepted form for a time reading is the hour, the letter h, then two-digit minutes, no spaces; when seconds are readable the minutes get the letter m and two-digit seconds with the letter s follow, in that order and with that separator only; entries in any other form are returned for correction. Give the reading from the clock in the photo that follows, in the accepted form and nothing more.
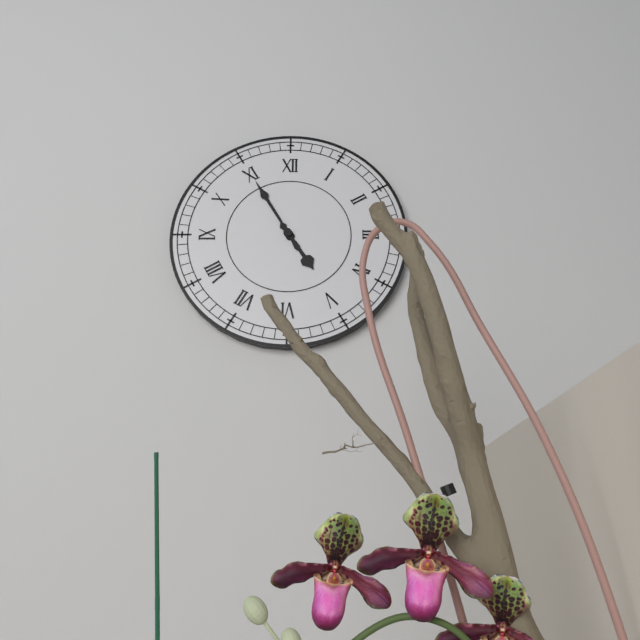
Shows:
4h55
